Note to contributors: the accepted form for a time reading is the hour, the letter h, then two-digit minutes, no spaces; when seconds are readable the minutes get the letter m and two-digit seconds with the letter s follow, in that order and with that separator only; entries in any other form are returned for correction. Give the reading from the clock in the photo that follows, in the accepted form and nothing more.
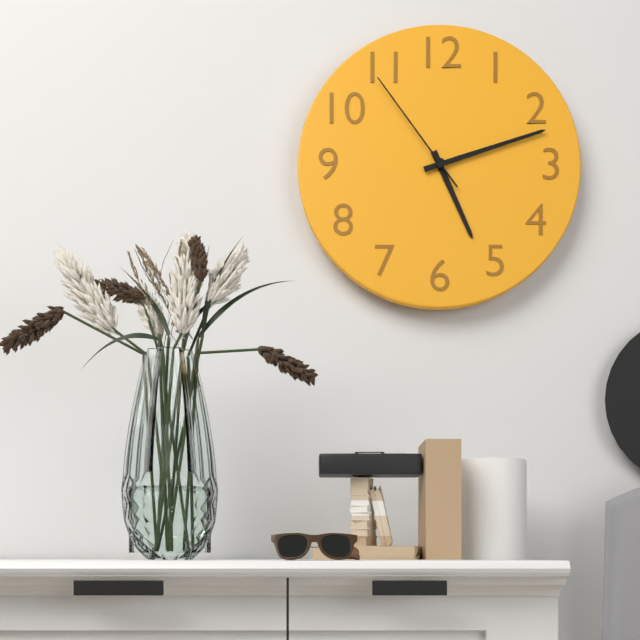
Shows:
5h12m54s
